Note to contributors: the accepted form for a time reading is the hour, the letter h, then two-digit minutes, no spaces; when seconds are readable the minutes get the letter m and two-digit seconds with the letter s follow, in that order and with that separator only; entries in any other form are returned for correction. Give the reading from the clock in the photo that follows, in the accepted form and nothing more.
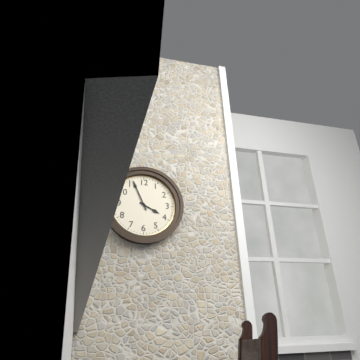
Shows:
3h56
